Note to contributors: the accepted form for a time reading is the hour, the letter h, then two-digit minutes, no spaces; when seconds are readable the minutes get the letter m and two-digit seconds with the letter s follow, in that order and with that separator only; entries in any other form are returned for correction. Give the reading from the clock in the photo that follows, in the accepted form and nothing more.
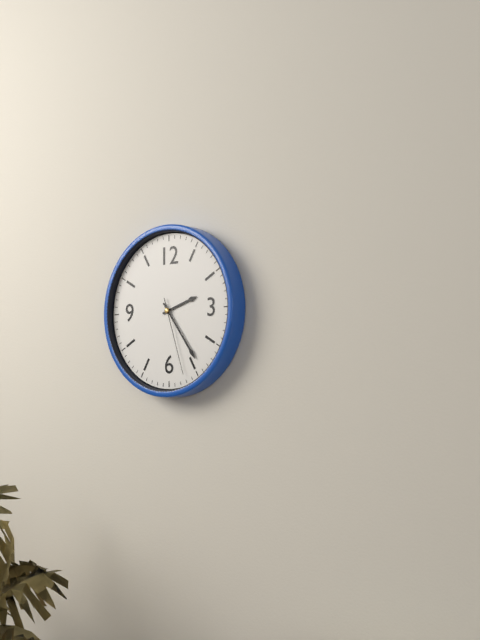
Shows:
2h24m27s
